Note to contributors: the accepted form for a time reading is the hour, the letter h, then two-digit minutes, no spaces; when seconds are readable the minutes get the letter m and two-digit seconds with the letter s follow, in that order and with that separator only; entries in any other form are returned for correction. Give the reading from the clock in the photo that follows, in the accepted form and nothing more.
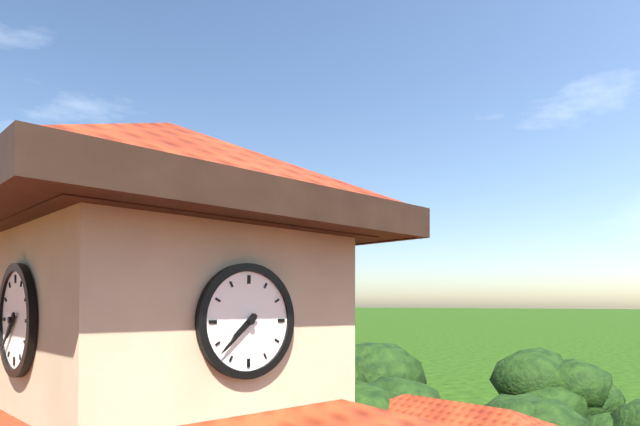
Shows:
7h38
